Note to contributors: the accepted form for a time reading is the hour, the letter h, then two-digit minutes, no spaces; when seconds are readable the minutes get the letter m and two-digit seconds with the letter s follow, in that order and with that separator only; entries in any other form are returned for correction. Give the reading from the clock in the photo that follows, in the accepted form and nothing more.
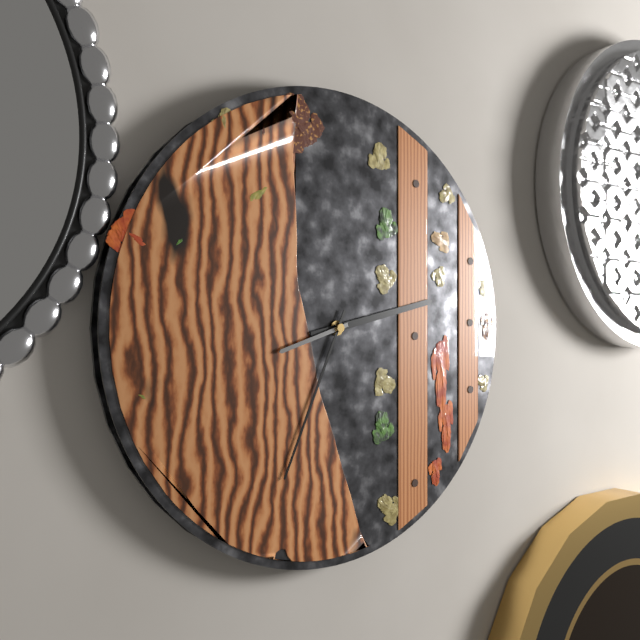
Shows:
2h34m42s
